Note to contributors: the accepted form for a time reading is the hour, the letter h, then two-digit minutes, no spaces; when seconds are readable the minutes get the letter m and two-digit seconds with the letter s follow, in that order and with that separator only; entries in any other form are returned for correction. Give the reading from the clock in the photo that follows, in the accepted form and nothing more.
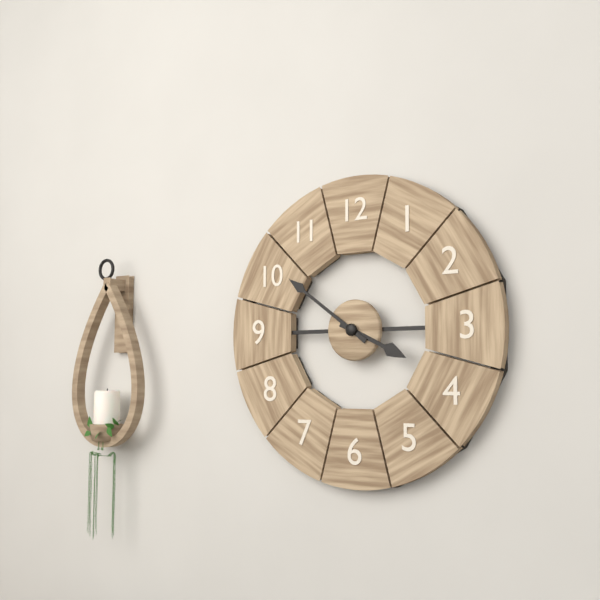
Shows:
3h51
